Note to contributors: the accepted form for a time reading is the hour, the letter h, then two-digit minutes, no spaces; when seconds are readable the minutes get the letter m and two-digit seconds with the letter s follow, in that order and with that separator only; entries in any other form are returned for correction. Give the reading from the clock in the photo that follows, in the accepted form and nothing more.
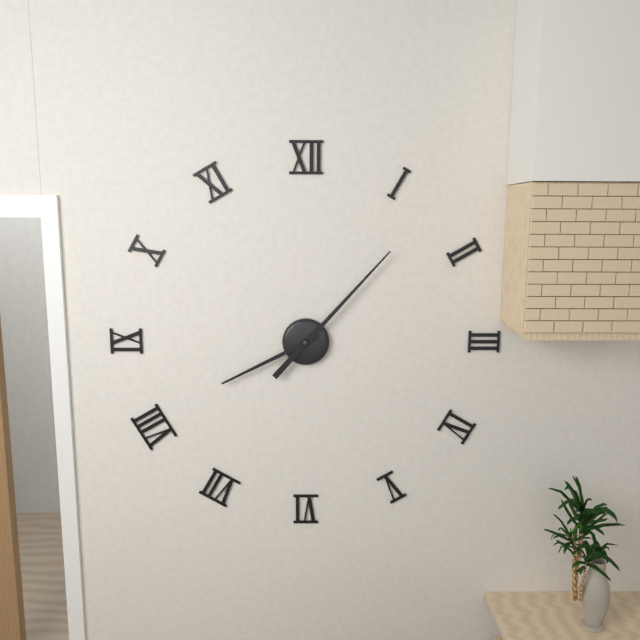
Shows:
8h07
